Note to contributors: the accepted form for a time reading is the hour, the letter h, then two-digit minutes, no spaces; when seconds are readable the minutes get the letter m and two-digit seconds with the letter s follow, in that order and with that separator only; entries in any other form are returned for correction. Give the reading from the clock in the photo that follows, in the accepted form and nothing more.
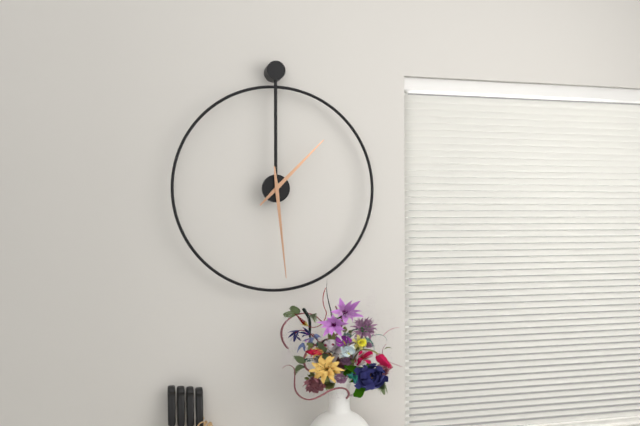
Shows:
1h29
